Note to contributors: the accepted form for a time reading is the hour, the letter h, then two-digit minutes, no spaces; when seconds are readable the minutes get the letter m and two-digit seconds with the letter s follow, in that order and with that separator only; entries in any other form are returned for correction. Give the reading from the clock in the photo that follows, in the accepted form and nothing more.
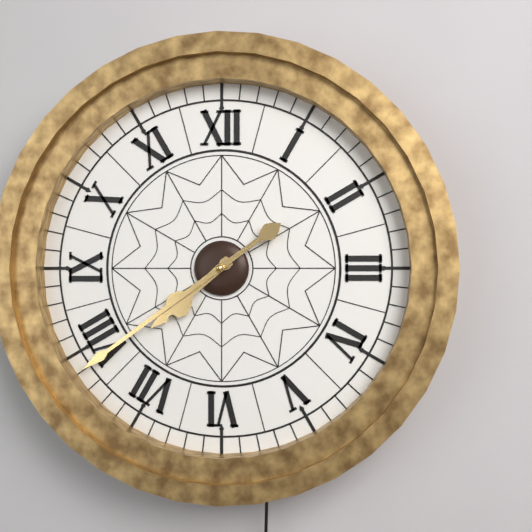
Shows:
7h39
